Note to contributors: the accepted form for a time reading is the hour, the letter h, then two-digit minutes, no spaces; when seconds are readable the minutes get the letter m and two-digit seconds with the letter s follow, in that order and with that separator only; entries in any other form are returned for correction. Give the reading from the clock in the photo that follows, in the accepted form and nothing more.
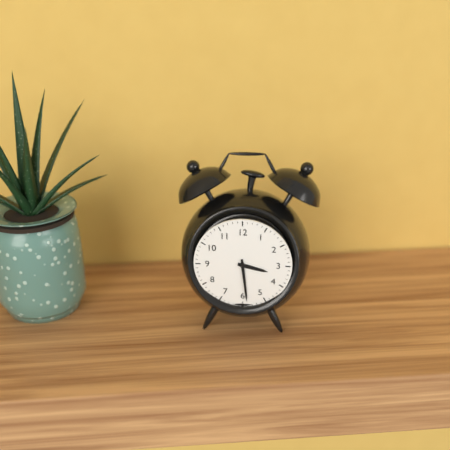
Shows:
3h29
